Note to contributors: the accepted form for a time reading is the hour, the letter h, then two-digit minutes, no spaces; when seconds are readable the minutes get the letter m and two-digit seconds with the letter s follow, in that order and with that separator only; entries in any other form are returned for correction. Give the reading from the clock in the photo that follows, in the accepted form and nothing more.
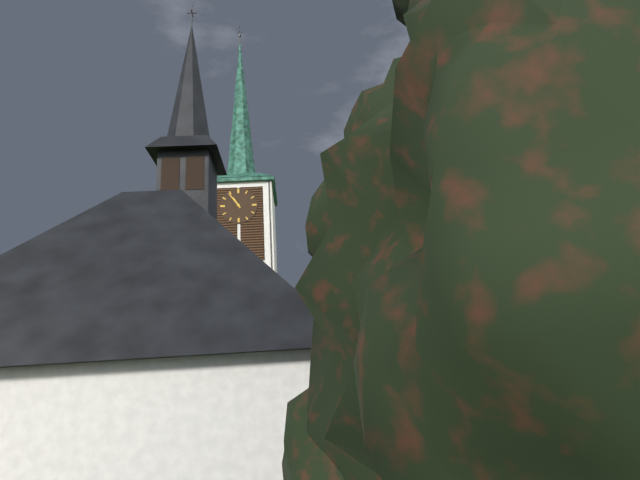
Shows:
10h54
